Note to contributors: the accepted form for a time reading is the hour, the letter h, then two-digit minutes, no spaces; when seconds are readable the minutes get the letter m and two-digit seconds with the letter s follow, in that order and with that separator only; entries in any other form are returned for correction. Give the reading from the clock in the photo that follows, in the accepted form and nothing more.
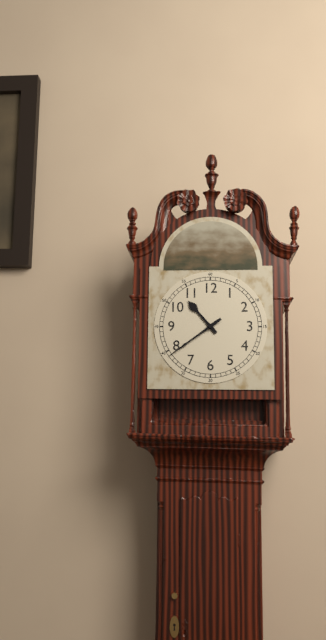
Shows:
10h39
